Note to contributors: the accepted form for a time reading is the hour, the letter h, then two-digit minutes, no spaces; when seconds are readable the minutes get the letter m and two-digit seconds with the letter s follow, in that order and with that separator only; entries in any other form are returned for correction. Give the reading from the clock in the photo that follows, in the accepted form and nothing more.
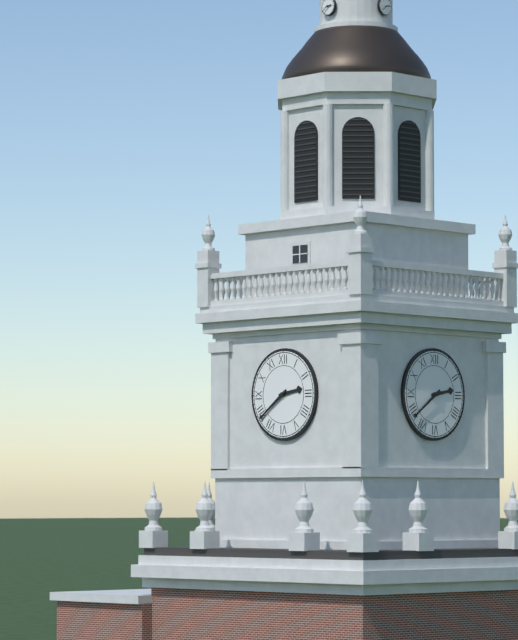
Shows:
2h39
